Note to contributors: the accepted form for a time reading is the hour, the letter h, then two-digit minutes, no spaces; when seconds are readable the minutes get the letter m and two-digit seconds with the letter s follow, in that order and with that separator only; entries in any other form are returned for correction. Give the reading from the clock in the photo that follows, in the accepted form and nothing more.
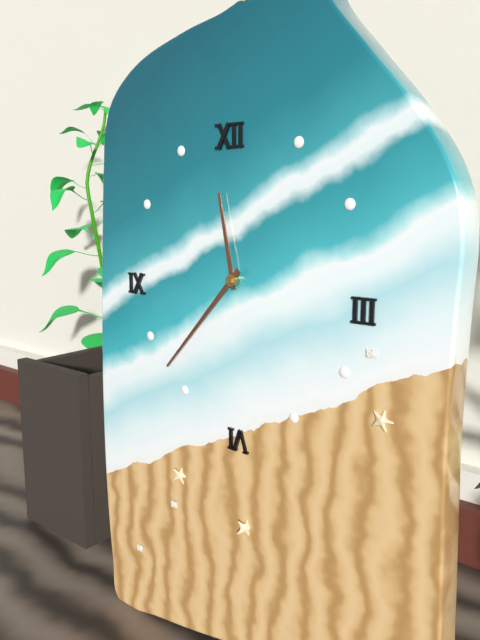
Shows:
11h37
